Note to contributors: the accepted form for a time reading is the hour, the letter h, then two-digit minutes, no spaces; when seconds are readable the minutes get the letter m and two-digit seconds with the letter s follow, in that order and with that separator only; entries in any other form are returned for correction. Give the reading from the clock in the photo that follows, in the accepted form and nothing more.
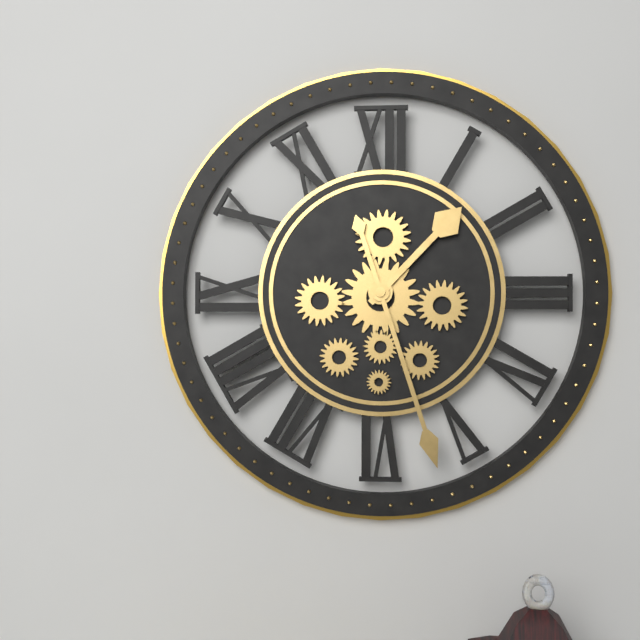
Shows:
1h27
